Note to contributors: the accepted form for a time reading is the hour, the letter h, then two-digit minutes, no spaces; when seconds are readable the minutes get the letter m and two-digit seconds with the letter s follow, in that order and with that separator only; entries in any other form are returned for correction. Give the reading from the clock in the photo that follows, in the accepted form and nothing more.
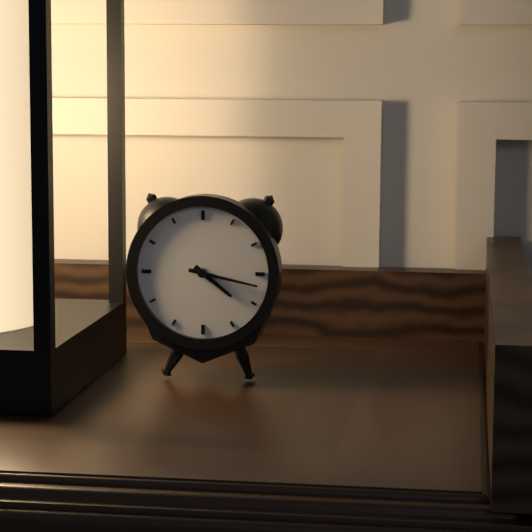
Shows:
4h17
